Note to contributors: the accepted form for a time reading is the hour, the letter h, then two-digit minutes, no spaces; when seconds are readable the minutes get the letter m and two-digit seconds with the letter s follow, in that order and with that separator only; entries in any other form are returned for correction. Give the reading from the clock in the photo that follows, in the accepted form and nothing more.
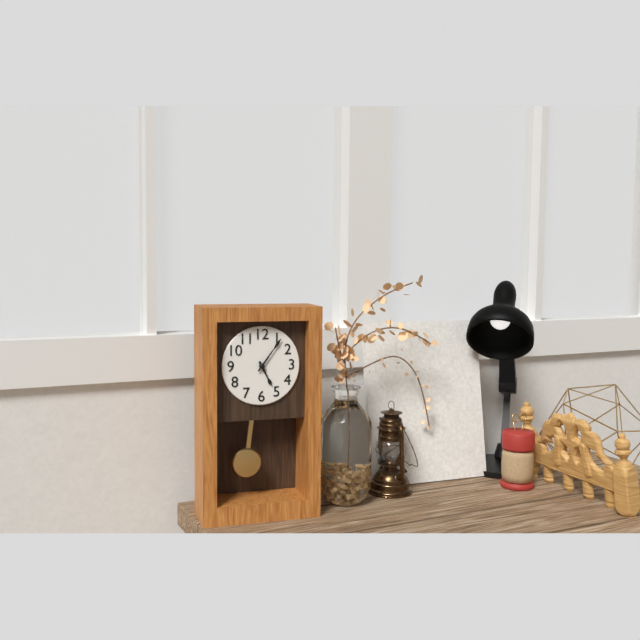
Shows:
5h06
